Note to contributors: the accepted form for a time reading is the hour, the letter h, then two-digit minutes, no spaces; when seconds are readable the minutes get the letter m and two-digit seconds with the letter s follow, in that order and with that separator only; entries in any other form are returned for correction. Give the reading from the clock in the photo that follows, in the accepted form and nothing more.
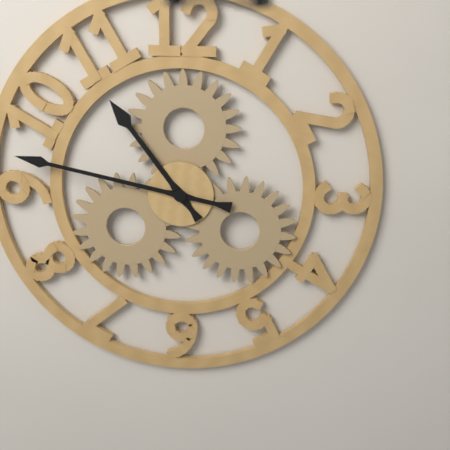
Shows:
10h47
